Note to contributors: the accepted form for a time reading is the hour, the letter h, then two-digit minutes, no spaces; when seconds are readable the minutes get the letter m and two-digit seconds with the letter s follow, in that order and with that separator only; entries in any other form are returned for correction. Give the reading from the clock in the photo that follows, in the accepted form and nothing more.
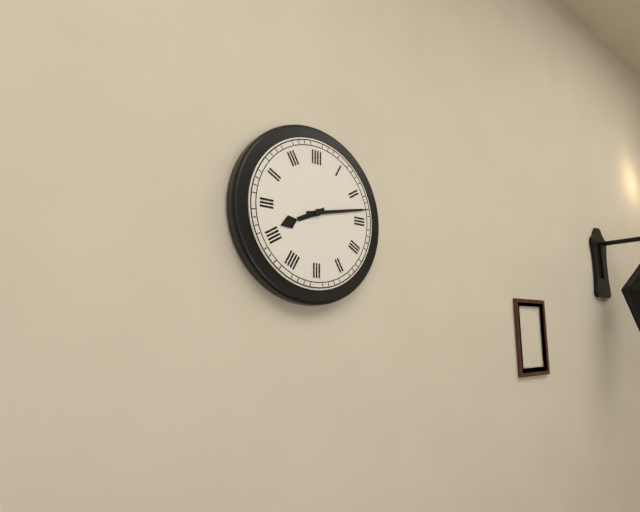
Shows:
8h13
